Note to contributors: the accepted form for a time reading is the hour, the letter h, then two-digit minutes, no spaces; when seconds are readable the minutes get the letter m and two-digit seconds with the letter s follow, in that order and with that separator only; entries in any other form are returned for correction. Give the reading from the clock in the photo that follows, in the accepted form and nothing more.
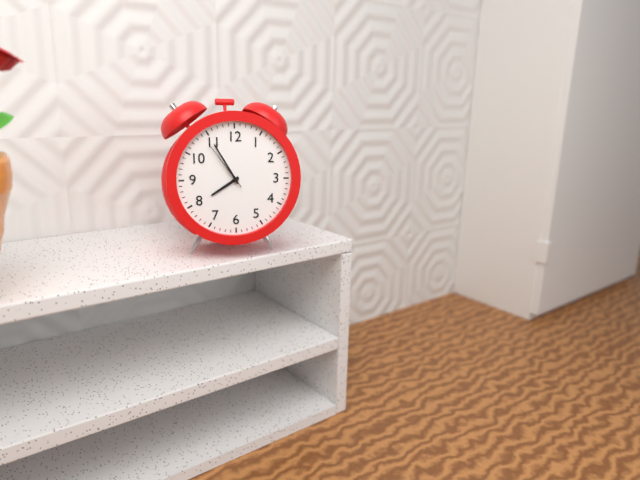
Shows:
7h55m54s
